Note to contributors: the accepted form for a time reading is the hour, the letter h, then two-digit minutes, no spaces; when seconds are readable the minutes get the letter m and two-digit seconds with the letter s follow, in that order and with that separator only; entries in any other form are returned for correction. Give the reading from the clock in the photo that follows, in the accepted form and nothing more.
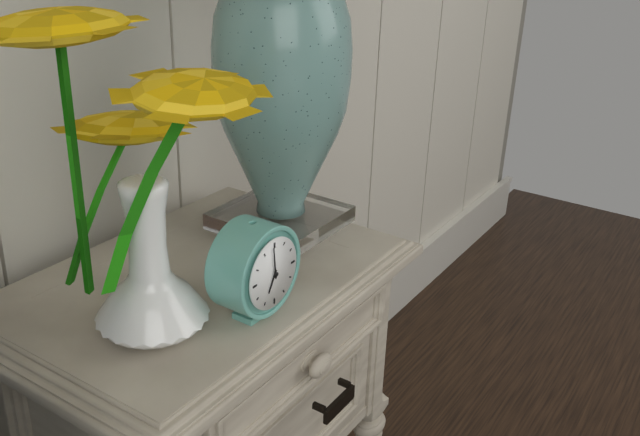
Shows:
6h59
